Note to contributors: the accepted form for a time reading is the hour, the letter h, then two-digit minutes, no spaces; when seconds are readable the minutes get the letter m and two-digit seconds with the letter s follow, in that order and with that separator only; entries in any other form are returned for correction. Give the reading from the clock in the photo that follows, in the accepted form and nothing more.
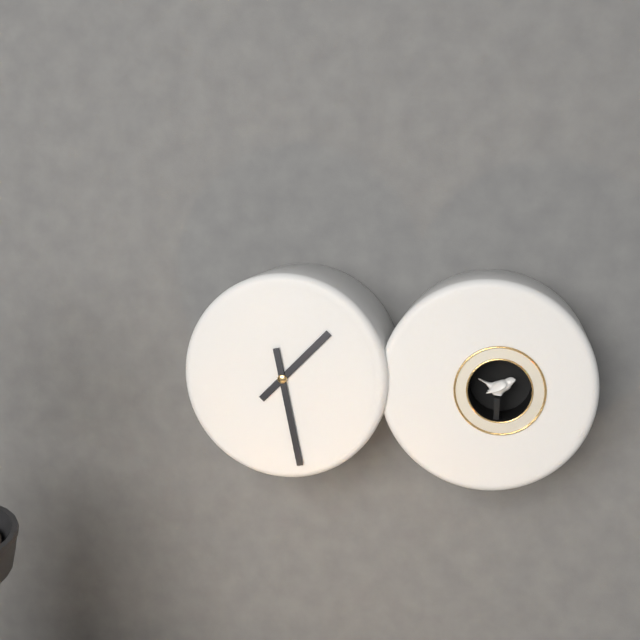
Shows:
1h28
